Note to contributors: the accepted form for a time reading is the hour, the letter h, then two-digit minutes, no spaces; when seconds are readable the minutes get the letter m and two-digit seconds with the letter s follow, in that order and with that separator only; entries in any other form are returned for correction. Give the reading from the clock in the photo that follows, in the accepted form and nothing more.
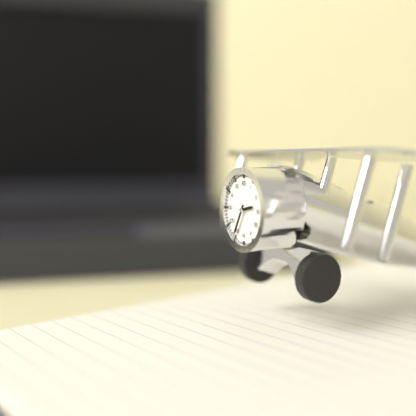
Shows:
2h35
